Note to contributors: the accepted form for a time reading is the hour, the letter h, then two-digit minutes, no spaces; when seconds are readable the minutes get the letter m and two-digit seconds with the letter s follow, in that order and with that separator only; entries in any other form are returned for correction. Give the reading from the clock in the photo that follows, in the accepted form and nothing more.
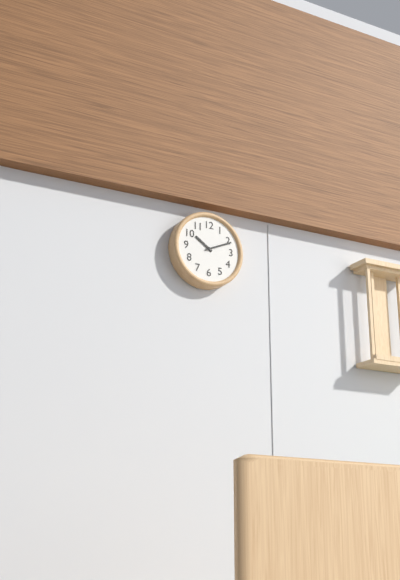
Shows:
10h11
